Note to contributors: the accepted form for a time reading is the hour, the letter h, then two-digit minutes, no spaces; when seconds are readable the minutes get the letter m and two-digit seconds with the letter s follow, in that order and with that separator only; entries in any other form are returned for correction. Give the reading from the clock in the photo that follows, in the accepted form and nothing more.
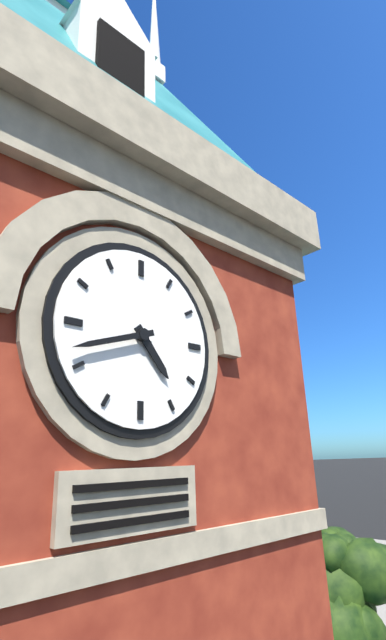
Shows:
4h42
